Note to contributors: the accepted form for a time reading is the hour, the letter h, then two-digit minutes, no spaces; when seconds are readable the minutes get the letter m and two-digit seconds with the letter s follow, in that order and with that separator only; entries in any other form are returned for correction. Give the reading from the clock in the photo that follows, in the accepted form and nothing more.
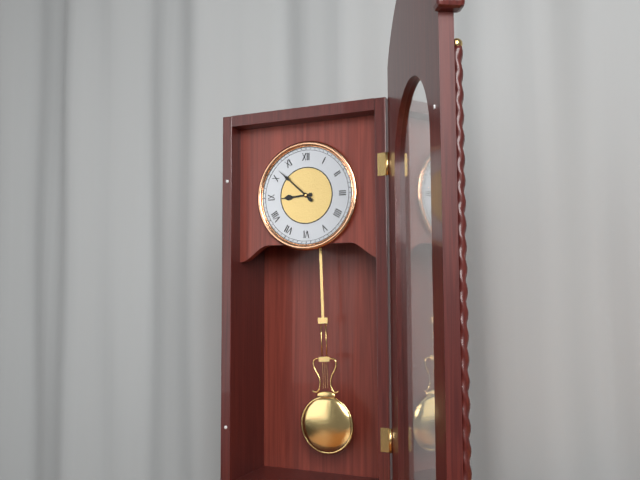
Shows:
8h52
